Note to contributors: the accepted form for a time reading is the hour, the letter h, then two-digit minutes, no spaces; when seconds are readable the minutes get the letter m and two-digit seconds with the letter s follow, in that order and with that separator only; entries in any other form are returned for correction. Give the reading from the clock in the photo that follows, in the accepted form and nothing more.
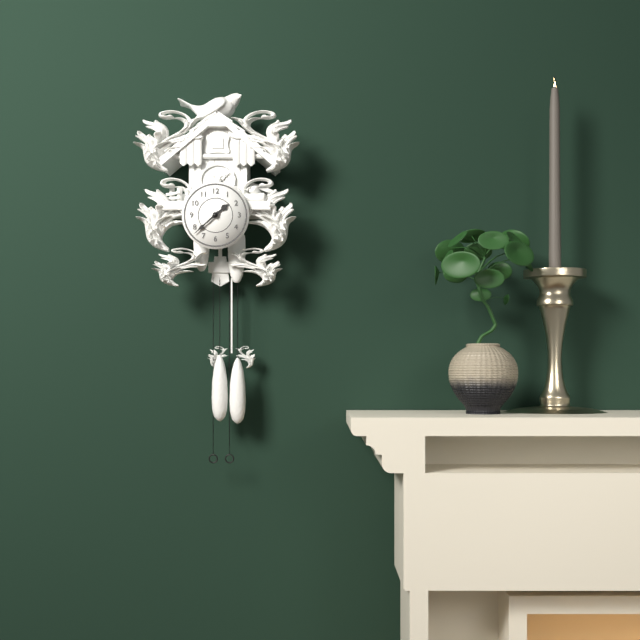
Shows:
1h38
